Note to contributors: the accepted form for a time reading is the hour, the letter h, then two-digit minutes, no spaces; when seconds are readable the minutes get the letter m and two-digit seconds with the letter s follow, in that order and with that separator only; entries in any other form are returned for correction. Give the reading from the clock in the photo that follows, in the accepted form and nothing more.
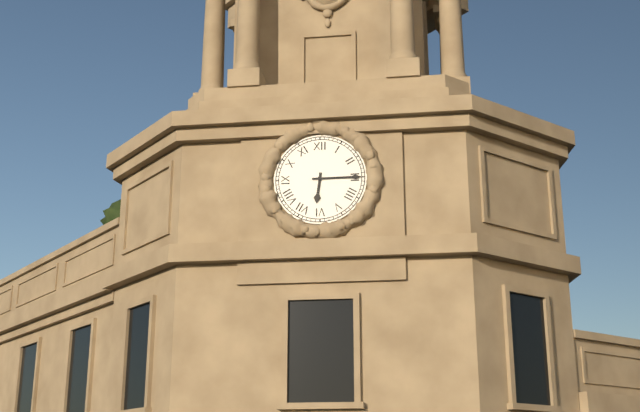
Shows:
6h15
